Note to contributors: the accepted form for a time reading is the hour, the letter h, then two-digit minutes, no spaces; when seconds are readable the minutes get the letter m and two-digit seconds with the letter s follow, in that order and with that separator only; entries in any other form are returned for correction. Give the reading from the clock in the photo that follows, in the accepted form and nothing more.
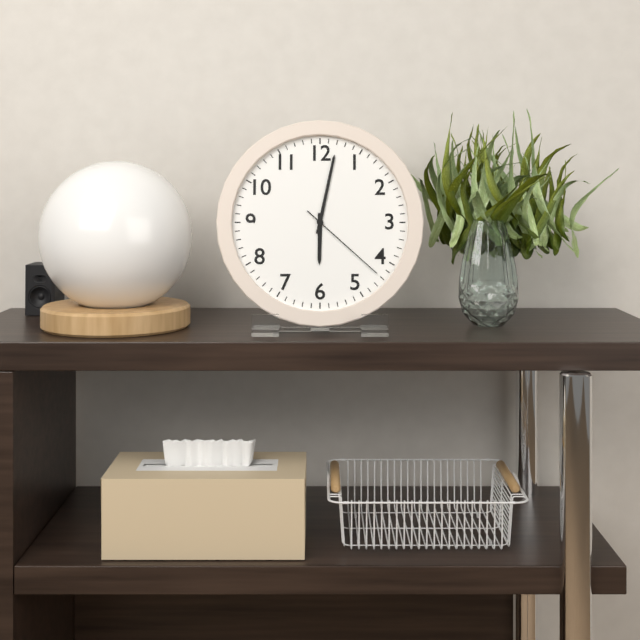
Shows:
6h02m22s
